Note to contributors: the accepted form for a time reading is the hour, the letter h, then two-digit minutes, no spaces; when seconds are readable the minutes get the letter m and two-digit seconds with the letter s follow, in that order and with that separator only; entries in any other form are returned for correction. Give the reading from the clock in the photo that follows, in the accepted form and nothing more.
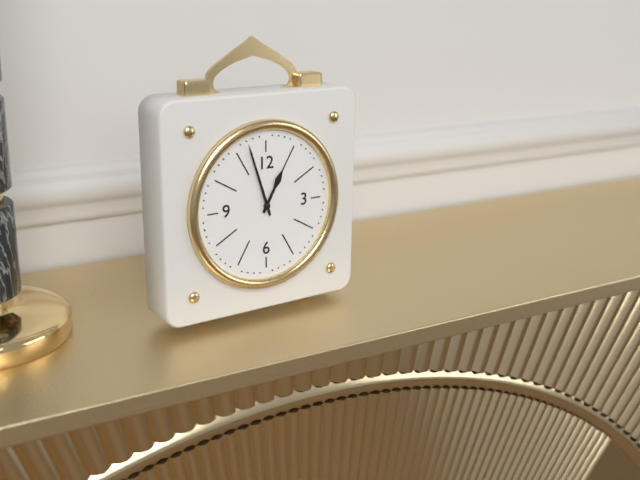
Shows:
12h57
